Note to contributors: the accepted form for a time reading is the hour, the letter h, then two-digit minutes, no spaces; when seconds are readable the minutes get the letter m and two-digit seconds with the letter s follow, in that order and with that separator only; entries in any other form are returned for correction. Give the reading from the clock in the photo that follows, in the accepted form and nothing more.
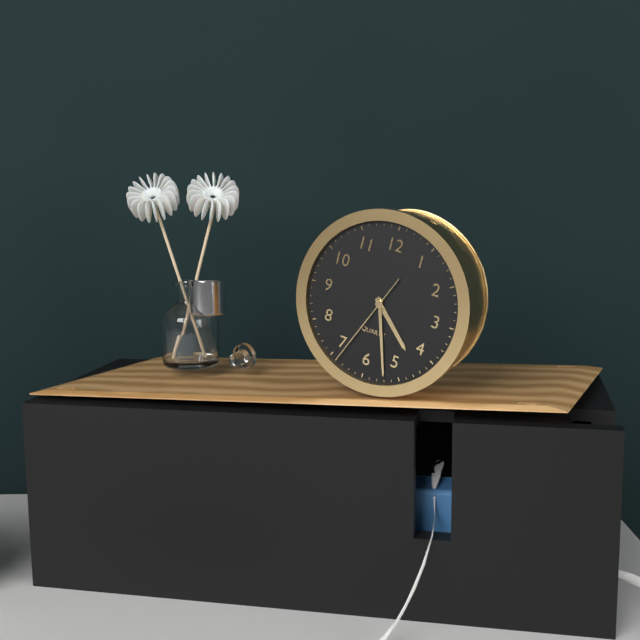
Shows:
4h27m34s
